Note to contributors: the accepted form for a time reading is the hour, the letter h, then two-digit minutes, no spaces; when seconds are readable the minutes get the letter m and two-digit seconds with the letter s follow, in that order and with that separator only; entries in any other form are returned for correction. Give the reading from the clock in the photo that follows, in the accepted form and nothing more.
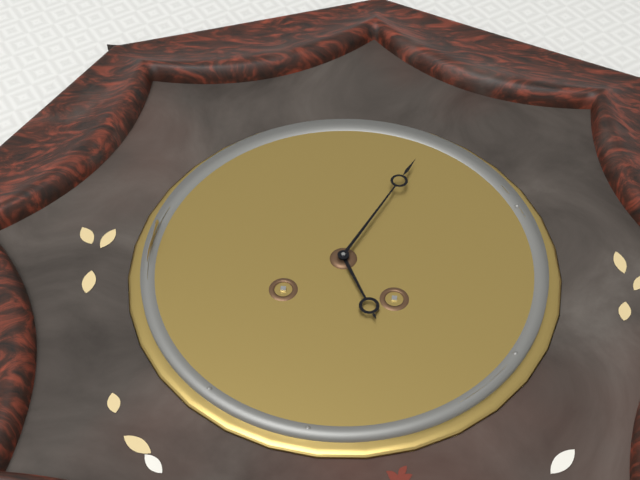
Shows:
5h04
